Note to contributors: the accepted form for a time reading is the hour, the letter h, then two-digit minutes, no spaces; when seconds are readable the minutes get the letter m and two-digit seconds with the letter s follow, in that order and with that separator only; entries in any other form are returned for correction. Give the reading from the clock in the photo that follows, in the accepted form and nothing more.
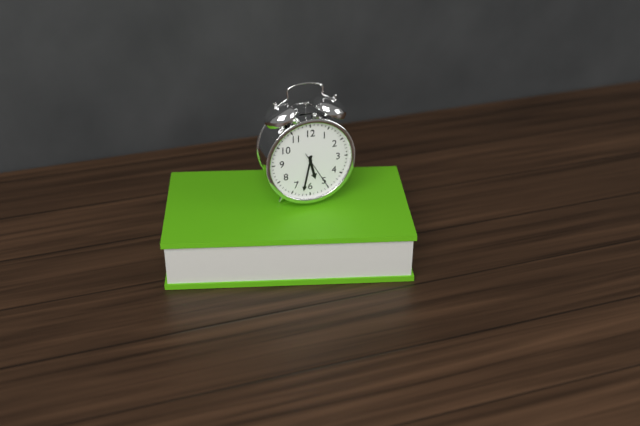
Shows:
5h32
